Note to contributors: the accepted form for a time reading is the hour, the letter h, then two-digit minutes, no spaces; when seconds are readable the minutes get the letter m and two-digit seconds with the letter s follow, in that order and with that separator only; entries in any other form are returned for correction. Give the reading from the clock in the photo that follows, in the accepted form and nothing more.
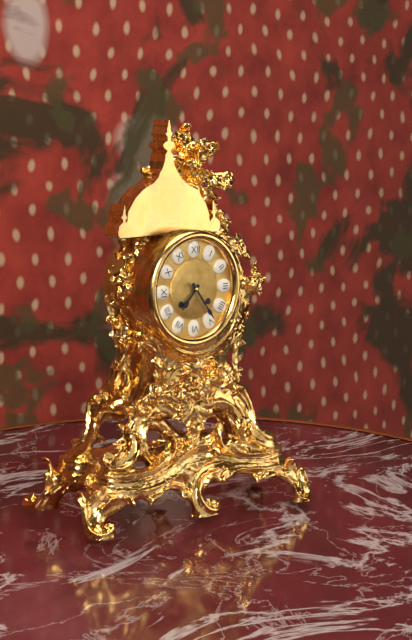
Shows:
7h24
